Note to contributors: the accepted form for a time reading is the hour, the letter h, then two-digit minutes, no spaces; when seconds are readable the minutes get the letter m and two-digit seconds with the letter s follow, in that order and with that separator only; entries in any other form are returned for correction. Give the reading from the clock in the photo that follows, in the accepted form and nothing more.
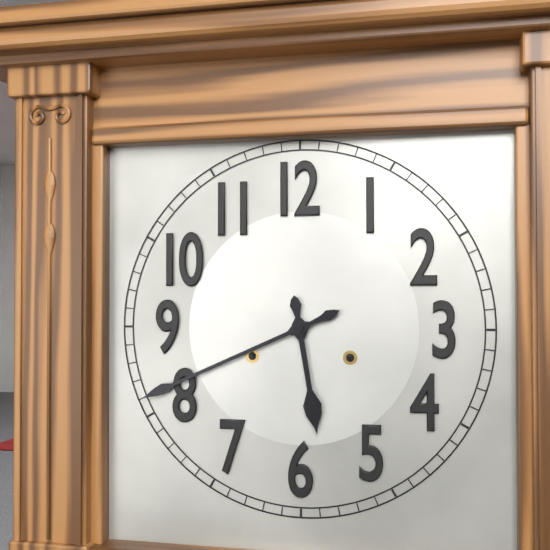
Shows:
5h41
